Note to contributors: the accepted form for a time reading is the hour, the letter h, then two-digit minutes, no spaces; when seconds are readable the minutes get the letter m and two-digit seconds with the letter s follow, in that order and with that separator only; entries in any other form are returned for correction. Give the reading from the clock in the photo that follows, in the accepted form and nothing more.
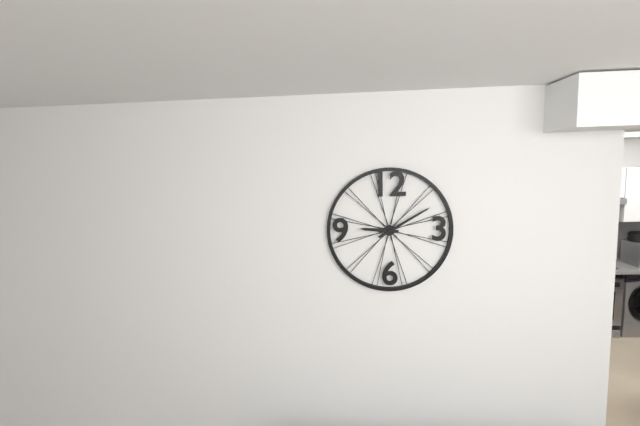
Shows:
9h10
